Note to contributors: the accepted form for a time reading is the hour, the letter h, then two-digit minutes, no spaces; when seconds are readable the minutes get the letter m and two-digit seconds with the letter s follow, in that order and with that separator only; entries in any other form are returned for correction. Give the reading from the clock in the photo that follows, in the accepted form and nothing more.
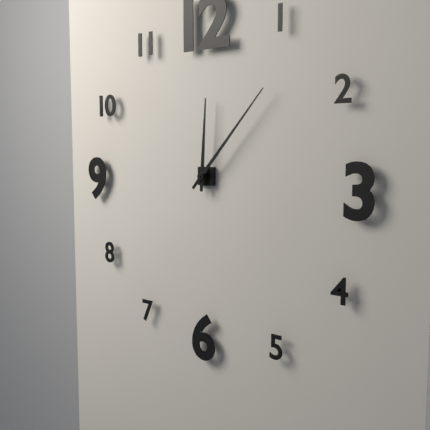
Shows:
12h07
